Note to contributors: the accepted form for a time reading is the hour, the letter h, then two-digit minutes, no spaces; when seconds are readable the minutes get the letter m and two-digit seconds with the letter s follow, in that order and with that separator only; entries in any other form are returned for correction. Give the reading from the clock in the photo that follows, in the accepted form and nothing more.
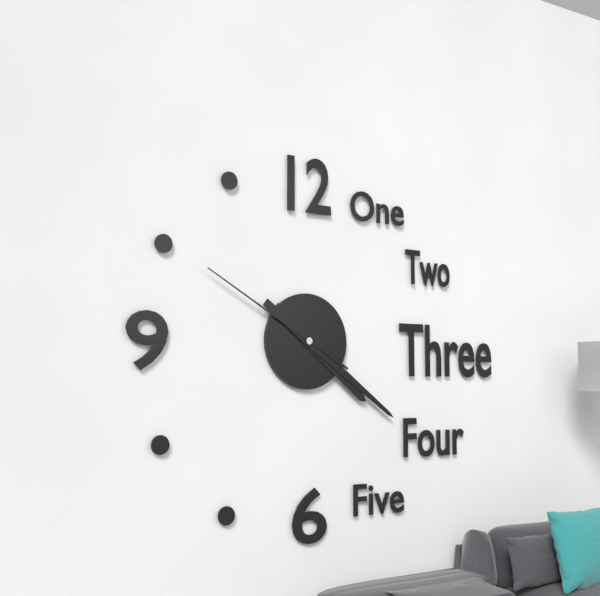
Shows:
4h21m50s
